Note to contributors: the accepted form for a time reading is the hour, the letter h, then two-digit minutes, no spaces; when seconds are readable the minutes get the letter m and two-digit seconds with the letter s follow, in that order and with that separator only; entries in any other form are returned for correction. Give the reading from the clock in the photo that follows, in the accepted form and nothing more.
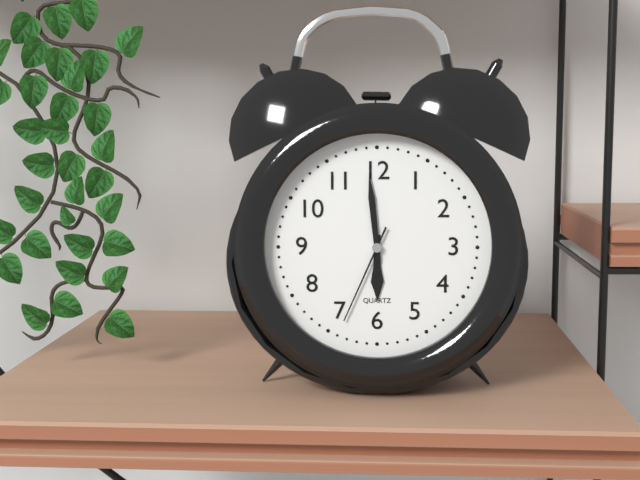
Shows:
5h59m34s
